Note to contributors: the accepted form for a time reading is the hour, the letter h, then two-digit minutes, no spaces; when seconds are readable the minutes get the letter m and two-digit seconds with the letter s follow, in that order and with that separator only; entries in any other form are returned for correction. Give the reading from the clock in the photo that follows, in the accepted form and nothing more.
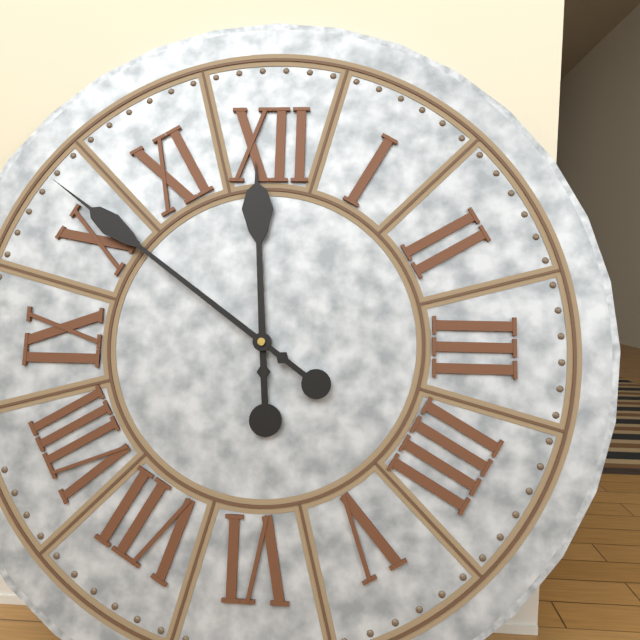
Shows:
11h51
